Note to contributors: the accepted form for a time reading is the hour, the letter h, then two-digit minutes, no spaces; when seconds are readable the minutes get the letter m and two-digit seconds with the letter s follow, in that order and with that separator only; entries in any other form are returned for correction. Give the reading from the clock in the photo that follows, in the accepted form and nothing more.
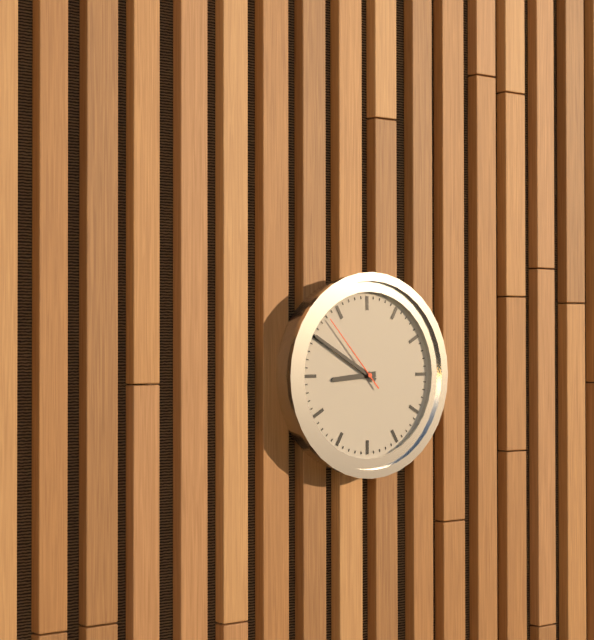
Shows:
8h50m53s
